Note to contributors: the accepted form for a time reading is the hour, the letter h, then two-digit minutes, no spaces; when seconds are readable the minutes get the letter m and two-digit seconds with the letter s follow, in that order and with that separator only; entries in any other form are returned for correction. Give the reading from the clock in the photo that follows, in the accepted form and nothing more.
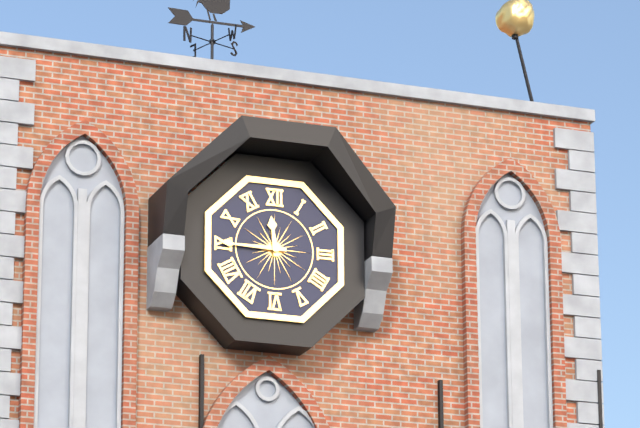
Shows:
11h45
